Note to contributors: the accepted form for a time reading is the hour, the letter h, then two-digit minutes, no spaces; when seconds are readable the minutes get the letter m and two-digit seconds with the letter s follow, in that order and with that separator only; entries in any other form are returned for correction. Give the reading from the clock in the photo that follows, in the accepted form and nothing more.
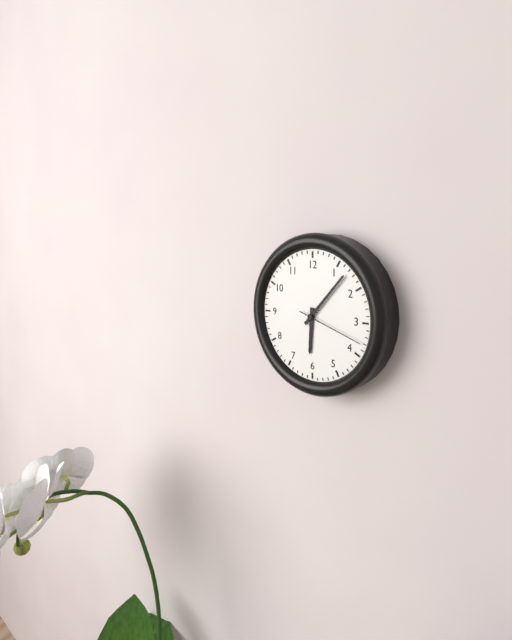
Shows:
6h07m18s
